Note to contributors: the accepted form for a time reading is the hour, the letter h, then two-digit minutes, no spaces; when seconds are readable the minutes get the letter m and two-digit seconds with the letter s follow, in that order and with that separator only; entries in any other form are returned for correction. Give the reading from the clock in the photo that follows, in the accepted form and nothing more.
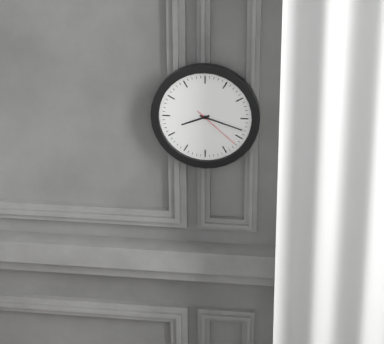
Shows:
8h18m22s
